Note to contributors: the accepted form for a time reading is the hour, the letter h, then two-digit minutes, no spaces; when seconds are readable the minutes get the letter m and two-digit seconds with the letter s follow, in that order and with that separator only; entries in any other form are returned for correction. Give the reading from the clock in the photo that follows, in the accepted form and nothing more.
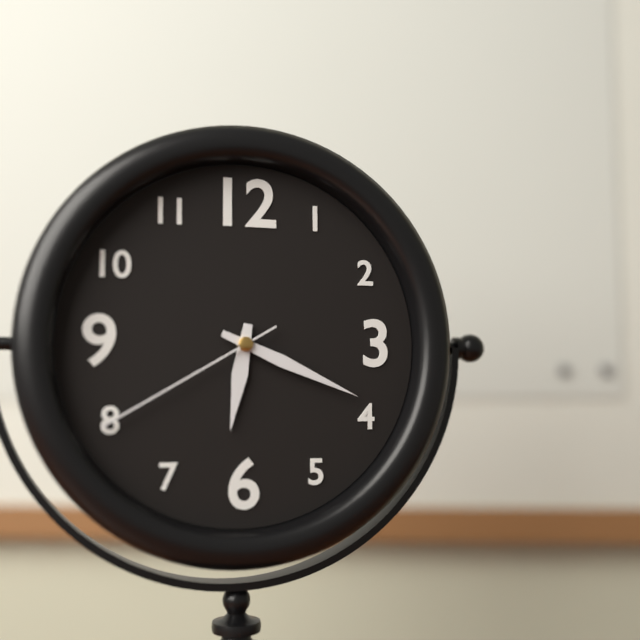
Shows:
6h19m40s
